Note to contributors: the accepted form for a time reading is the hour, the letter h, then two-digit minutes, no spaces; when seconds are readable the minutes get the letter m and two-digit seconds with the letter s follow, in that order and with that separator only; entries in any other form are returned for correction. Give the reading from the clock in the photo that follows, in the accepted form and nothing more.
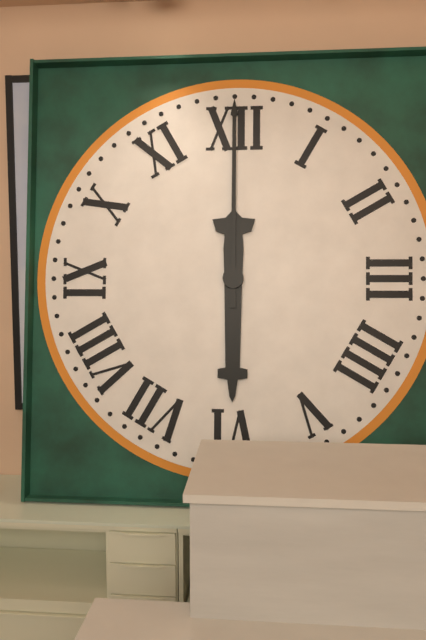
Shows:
6h00
